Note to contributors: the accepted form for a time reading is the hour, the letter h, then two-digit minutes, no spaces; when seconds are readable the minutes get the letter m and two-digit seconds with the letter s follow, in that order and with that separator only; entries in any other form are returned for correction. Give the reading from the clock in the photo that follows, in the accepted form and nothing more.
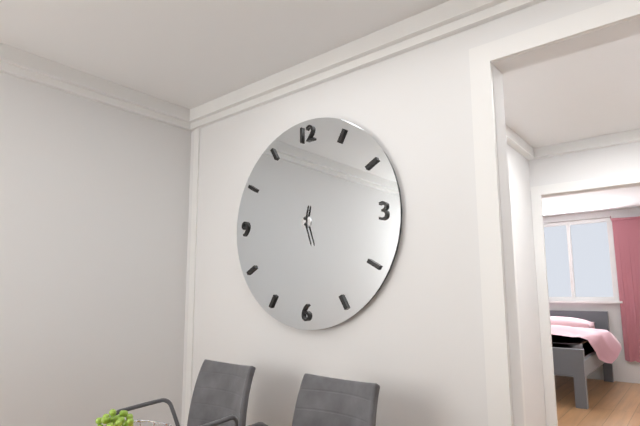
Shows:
12h27
